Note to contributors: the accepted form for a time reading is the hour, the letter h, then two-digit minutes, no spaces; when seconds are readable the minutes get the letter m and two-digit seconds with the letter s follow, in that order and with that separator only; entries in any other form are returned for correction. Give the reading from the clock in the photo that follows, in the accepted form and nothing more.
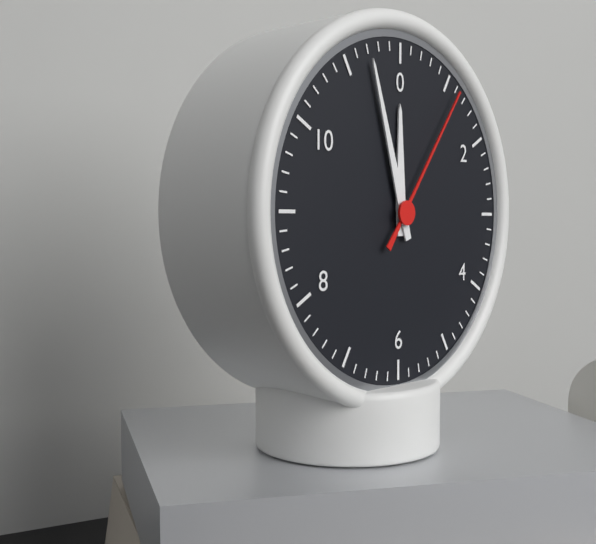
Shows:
11h57m06s
